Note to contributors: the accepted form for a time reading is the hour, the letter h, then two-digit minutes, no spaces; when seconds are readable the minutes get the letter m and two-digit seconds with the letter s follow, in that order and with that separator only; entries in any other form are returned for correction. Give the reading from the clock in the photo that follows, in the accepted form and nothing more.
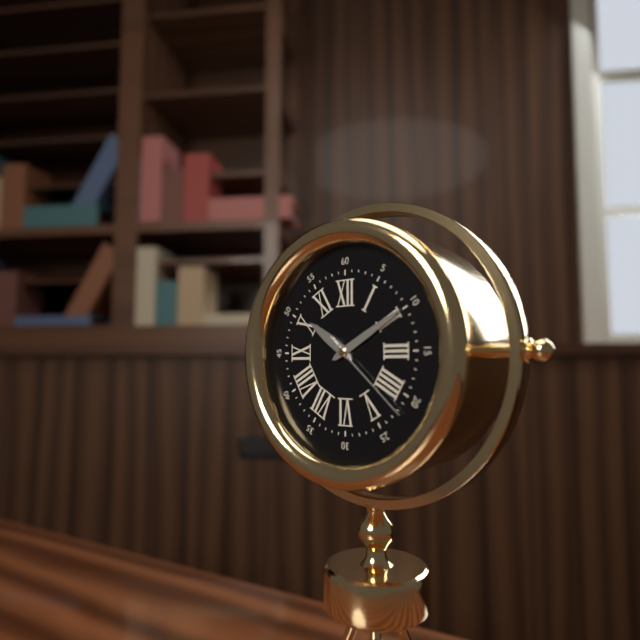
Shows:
10h10m22s
